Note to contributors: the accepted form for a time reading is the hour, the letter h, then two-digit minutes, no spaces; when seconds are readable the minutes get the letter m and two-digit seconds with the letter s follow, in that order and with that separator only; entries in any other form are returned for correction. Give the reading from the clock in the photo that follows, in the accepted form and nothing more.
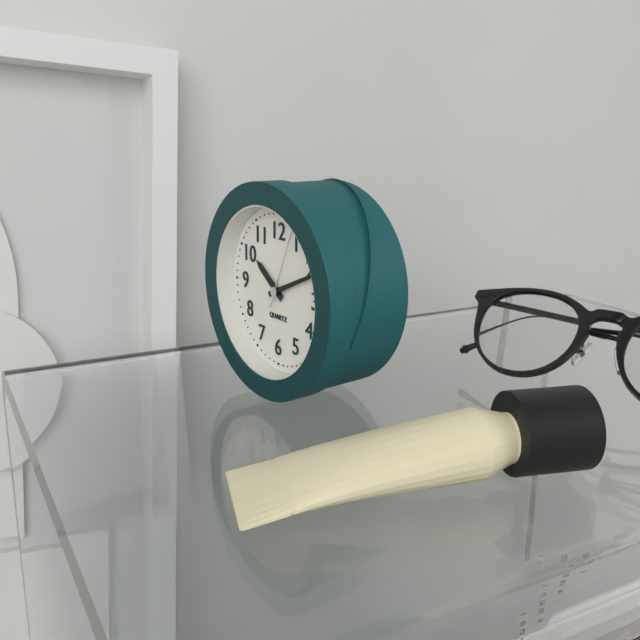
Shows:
10h11m04s
